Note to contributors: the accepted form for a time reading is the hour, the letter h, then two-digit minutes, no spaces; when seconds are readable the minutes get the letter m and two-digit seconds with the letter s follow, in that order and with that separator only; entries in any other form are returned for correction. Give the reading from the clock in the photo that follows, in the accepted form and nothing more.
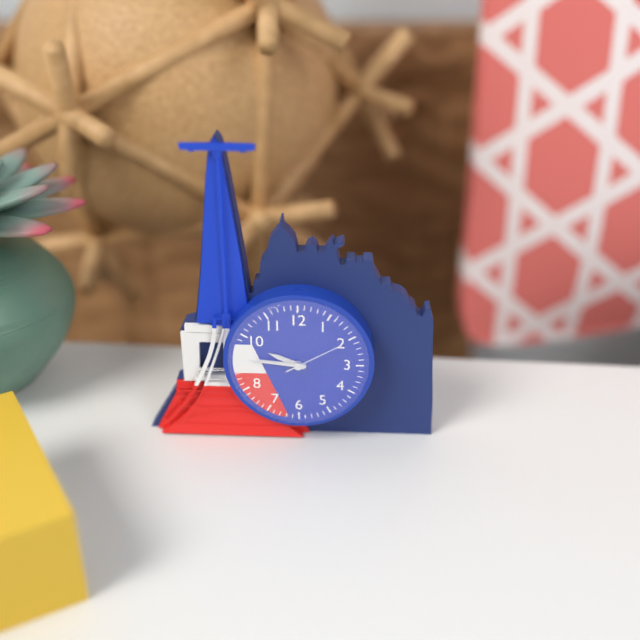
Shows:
9h46m10s
